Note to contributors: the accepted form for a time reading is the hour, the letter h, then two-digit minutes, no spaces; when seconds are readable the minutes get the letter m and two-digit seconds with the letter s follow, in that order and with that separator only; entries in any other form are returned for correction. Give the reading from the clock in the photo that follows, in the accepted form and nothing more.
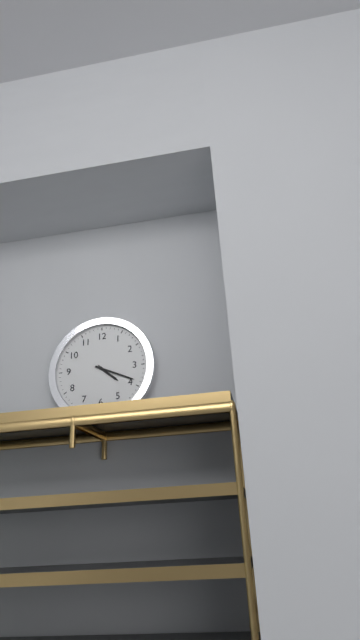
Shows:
4h19
